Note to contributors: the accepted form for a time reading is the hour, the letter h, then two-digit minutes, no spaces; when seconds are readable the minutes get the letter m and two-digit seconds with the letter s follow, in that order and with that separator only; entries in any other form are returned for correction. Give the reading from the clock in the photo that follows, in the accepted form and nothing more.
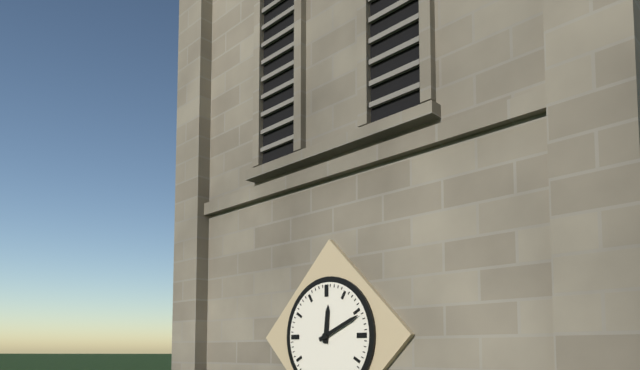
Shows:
12h11
